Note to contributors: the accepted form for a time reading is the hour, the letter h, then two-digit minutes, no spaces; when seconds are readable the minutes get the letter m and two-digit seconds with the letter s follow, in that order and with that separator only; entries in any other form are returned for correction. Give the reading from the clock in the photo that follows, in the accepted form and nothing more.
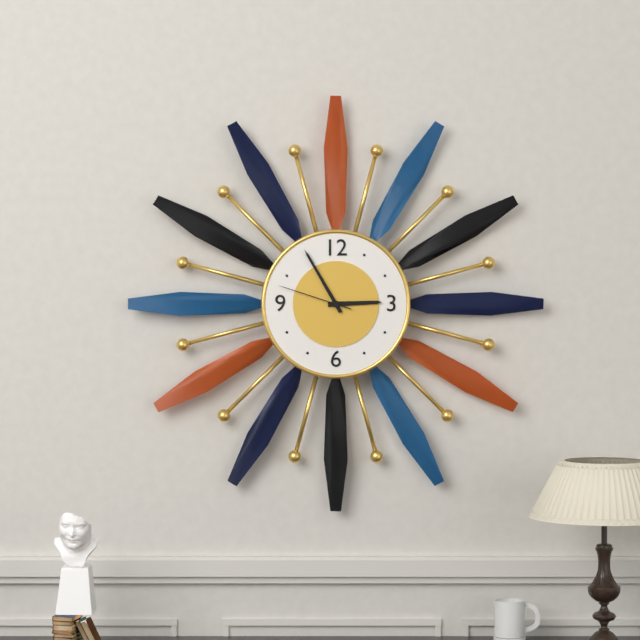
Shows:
2h55m48s
